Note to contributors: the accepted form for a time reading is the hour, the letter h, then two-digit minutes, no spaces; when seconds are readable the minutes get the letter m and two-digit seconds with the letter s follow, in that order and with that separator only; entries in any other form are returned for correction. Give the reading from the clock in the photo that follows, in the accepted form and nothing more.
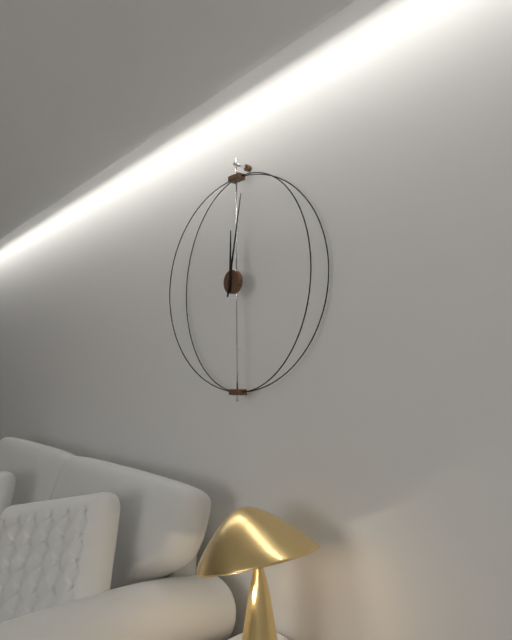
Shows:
12h02
